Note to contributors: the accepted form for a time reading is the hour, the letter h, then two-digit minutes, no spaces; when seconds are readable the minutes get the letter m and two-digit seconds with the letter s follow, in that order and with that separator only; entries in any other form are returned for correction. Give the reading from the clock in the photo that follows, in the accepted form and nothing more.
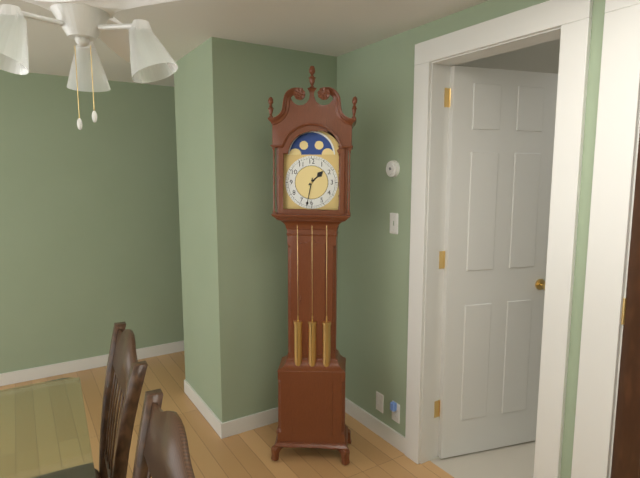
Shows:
1h32
